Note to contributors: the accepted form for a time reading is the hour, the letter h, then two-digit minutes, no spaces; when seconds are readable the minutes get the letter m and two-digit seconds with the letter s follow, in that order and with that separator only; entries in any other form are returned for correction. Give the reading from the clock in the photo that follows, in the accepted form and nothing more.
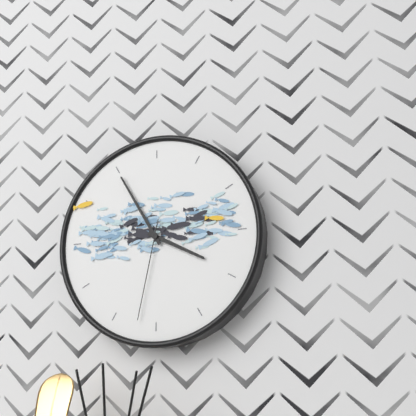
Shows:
3h55m32s
